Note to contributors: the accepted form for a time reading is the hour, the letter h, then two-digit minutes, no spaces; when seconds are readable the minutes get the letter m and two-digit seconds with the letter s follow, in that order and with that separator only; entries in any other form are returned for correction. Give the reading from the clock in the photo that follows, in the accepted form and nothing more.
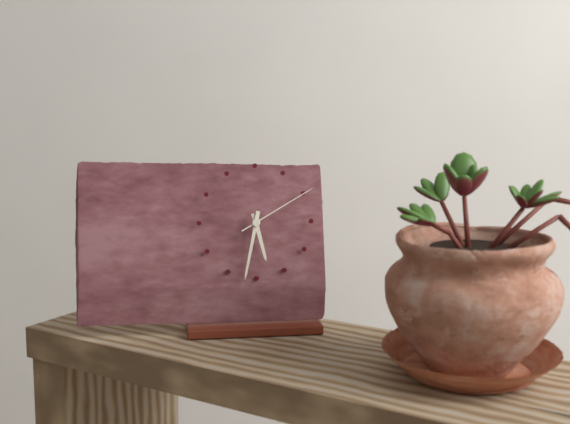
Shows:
5h32m10s
